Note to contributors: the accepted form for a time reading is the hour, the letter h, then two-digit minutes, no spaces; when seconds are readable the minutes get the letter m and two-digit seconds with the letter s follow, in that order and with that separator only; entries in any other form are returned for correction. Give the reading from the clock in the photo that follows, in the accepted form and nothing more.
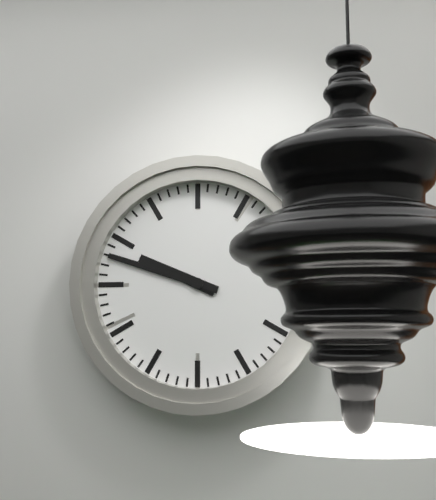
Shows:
9h48
